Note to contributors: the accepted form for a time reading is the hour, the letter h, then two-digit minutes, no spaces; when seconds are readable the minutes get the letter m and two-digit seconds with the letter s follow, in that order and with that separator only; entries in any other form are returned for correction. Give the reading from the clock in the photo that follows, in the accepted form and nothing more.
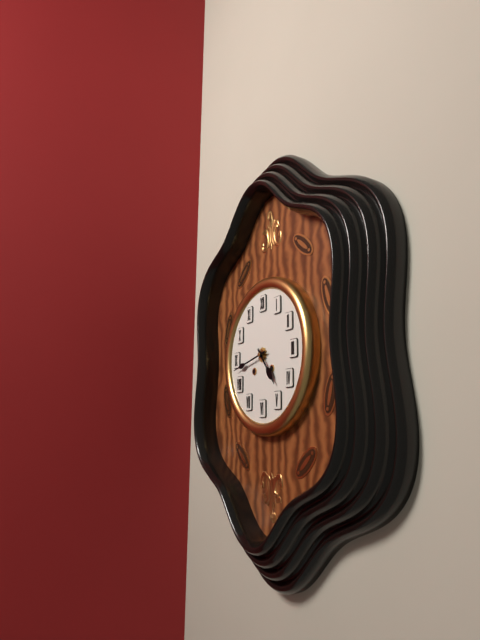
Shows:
4h43
